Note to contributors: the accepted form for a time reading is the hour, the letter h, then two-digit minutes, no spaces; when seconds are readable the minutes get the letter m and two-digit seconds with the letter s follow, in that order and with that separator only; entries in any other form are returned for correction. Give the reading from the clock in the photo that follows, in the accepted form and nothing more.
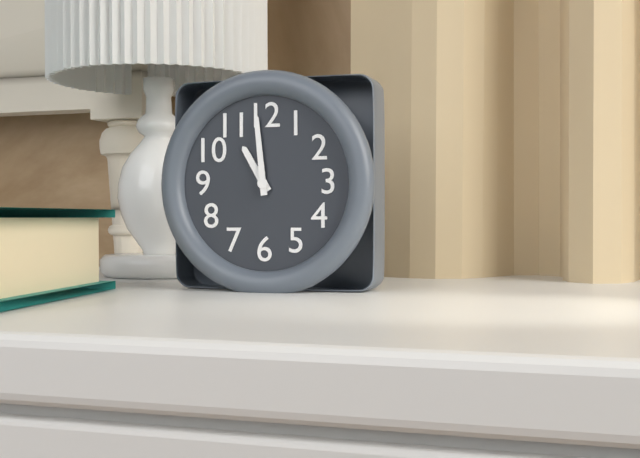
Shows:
10h59
